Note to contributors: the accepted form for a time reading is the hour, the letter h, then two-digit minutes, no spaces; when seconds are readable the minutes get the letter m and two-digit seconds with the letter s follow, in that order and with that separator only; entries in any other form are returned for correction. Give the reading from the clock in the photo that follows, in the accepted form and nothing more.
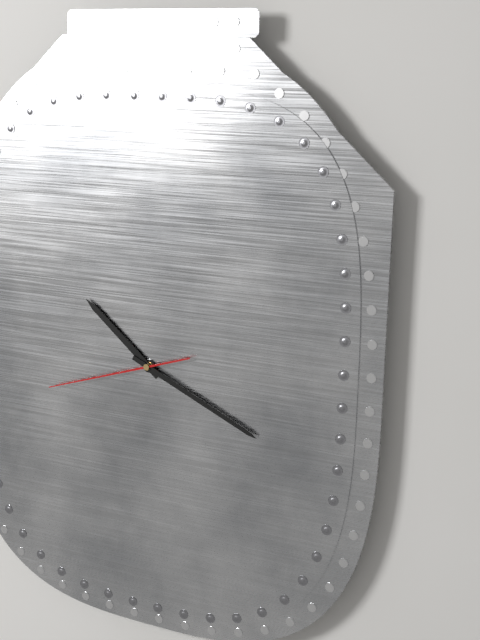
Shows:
10h19m42s
